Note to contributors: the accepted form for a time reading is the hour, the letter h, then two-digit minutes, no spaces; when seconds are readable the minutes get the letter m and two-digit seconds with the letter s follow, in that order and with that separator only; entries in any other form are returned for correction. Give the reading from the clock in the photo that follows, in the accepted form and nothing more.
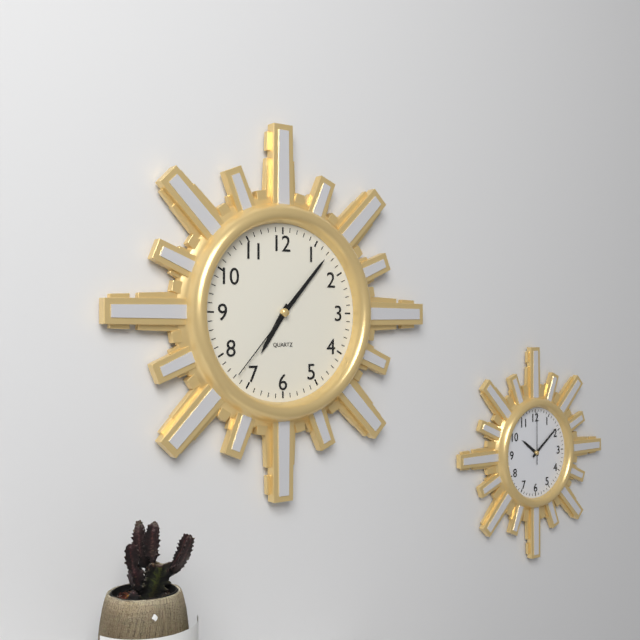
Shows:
7h07m37s
